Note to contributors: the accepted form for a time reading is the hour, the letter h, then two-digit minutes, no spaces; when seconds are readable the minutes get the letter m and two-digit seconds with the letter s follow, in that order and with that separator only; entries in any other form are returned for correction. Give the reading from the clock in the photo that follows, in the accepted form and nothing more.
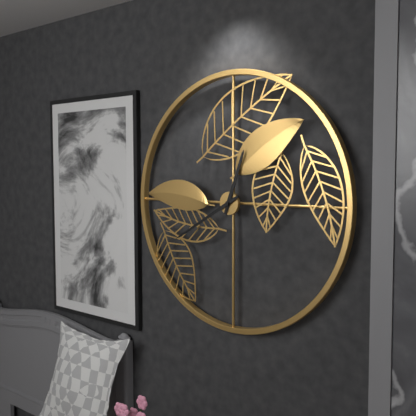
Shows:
12h40
